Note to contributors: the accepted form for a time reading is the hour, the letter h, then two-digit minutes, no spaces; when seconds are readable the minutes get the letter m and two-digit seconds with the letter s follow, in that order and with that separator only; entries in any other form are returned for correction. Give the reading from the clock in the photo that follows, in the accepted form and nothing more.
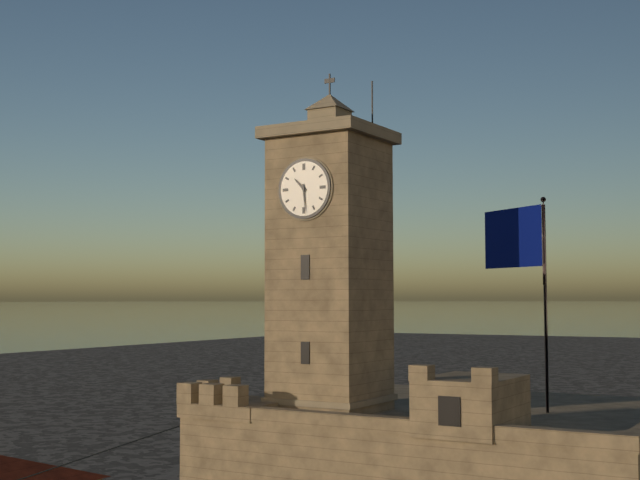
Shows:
10h29
